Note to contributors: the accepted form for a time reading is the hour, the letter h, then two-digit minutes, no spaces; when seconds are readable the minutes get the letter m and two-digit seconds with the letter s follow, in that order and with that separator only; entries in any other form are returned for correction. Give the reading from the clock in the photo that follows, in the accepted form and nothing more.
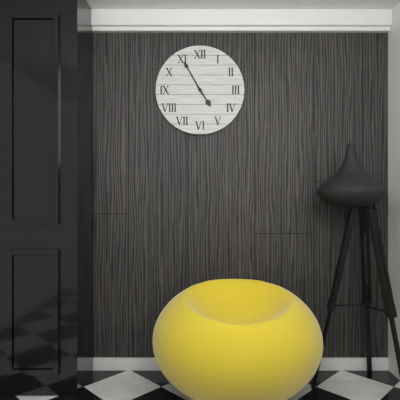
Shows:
4h55
